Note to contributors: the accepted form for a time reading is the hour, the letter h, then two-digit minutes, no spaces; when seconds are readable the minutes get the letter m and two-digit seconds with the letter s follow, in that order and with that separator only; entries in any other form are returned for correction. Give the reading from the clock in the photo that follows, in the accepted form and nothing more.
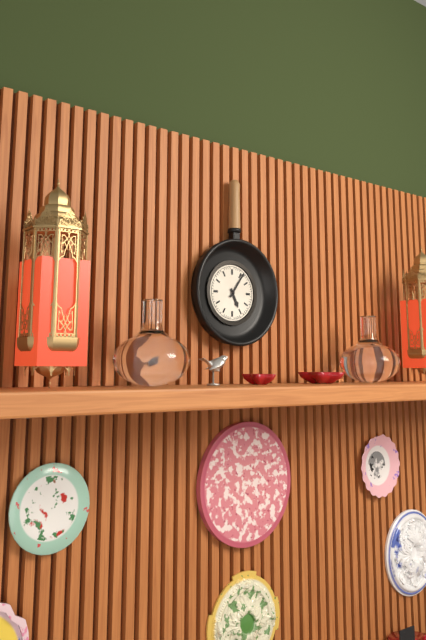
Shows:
5h06
